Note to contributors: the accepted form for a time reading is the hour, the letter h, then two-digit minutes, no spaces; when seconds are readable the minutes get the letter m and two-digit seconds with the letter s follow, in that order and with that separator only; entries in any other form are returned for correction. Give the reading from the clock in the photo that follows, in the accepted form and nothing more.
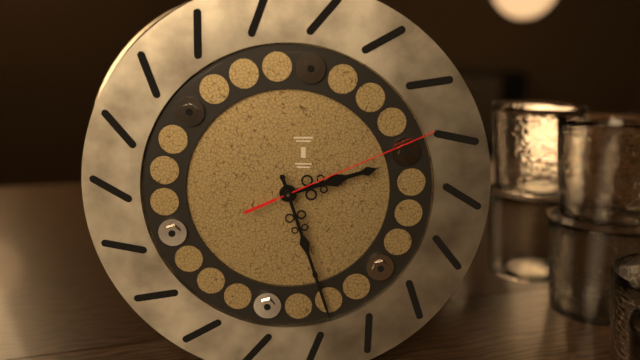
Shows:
2h27m11s
